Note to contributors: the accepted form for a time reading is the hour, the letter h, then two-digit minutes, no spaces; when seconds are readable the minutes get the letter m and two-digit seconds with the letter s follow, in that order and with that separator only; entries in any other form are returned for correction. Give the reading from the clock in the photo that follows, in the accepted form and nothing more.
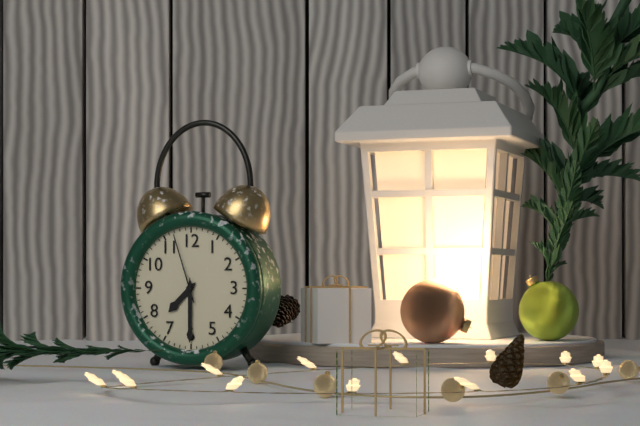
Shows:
7h30m57s
